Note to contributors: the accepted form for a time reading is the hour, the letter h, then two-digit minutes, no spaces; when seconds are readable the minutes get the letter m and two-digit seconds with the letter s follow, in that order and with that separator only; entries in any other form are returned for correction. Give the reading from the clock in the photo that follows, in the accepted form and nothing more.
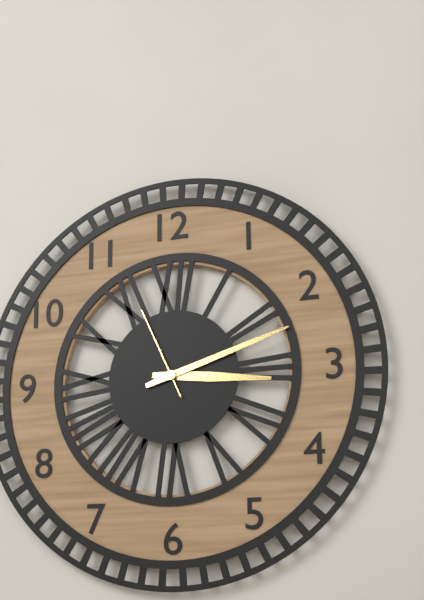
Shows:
3h12m56s
